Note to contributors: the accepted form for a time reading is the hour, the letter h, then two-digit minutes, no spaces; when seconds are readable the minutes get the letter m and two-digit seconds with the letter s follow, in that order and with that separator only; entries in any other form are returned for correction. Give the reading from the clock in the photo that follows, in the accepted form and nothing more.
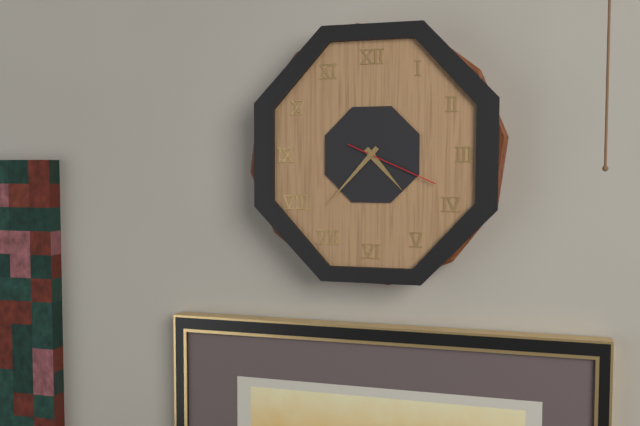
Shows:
4h37m19s
